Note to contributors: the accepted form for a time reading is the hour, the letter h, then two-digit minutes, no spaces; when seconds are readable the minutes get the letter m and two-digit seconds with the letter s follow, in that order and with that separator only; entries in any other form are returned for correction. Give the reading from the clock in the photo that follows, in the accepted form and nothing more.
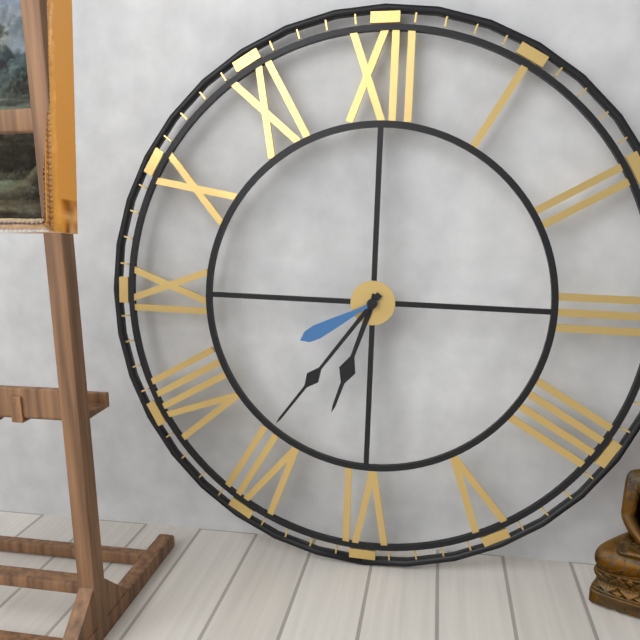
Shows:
6h36m40s
